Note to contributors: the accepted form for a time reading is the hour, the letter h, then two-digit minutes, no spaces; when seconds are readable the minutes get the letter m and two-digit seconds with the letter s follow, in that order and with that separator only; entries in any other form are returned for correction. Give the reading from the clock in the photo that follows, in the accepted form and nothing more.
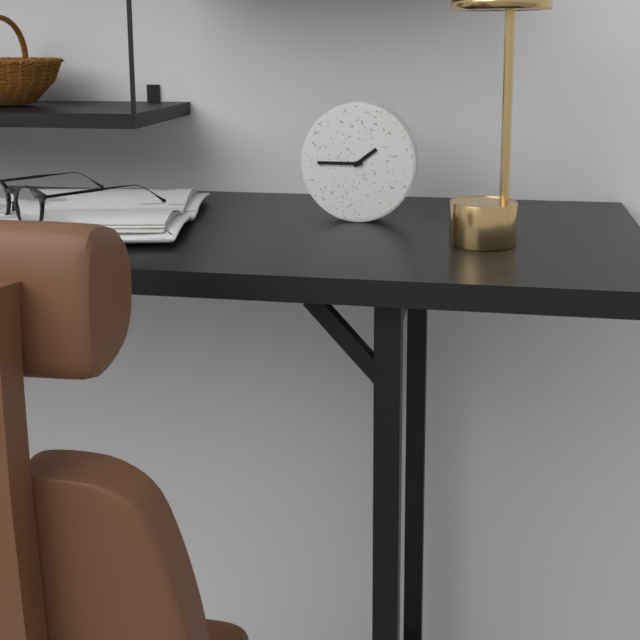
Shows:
1h45
